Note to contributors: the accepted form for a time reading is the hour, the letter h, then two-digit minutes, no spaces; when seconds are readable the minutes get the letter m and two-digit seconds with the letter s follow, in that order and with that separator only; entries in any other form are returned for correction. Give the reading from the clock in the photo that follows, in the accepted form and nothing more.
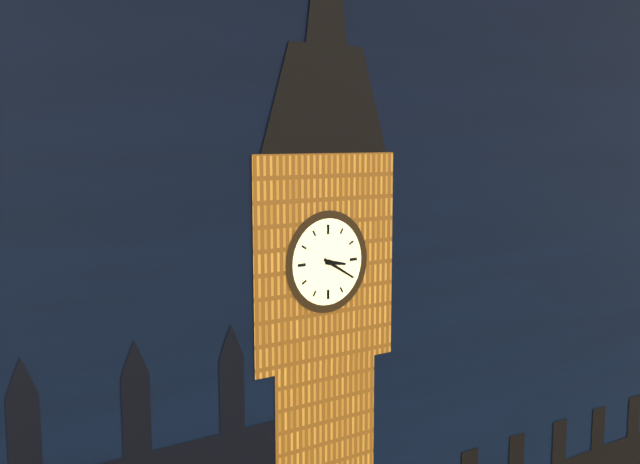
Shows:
3h20
